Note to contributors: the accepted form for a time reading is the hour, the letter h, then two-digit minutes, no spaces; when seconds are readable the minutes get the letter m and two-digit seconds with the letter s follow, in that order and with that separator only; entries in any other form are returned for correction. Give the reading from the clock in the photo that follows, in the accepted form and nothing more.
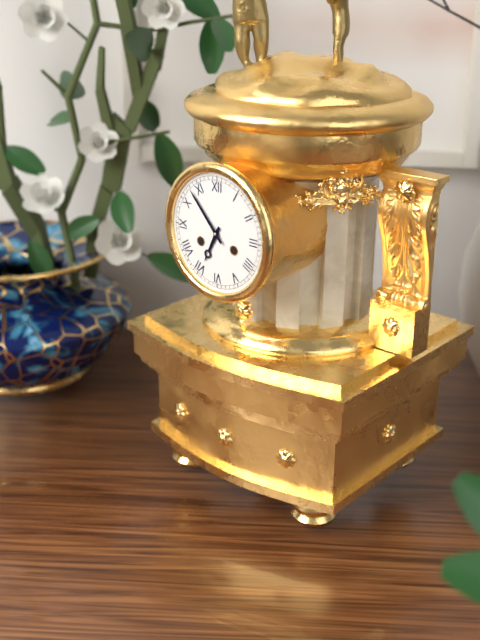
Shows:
6h53
